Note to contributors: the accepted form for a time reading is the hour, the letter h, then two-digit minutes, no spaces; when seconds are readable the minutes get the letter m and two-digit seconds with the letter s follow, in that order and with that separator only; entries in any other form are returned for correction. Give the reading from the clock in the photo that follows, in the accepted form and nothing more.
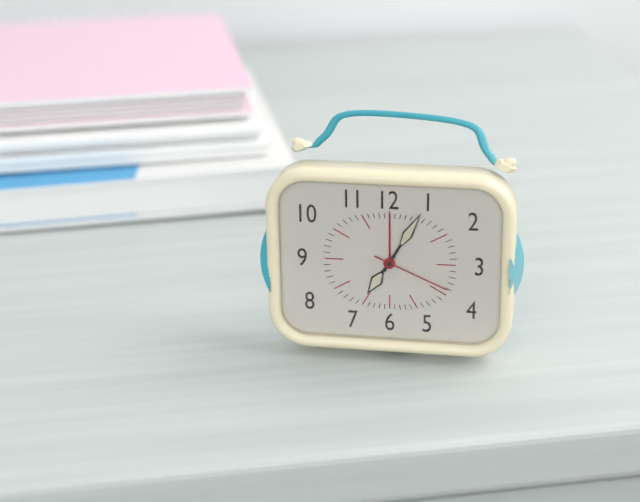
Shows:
7h05m19s
